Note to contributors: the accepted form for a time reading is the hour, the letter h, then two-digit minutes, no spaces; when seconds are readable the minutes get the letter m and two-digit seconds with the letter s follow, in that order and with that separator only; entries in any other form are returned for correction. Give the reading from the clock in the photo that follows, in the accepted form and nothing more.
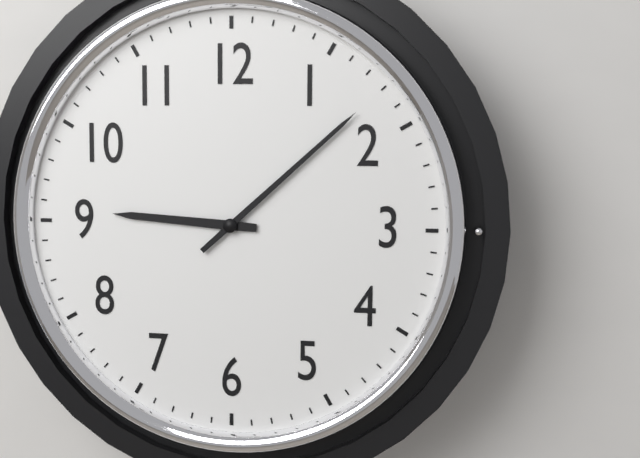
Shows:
9h08
